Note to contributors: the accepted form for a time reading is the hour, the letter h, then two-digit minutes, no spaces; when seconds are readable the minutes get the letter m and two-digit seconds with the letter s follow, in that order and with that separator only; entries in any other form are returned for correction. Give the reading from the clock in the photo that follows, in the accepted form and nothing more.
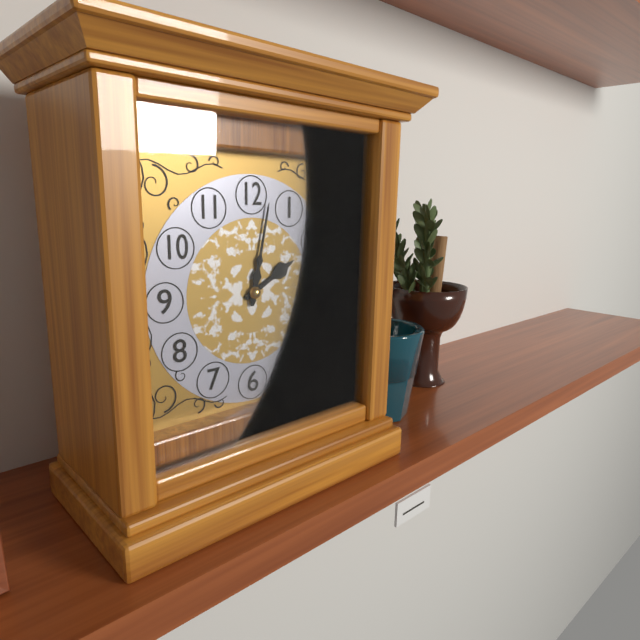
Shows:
2h02
